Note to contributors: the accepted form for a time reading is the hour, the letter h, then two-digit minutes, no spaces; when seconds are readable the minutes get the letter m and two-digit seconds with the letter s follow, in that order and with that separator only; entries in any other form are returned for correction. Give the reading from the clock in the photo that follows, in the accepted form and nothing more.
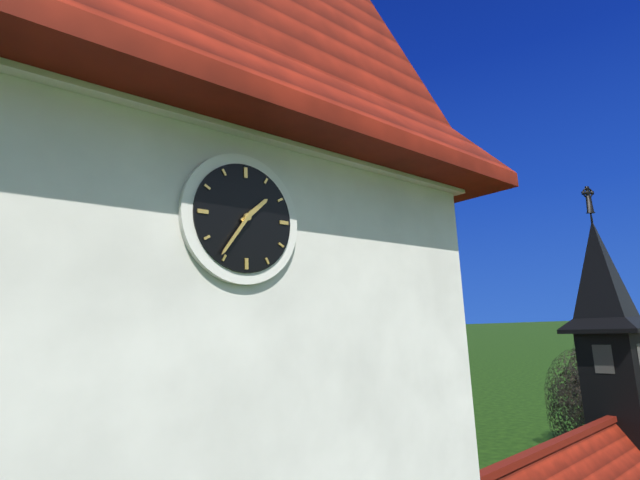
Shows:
1h36
